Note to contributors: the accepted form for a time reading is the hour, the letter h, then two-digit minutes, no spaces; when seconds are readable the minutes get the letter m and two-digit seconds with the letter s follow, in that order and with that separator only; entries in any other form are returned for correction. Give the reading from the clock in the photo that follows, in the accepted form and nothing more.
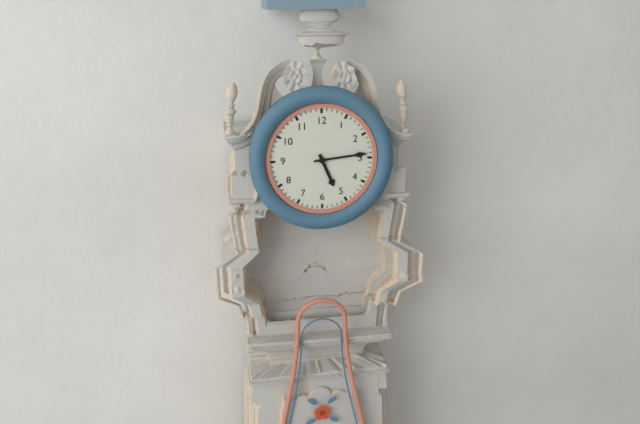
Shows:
5h14
